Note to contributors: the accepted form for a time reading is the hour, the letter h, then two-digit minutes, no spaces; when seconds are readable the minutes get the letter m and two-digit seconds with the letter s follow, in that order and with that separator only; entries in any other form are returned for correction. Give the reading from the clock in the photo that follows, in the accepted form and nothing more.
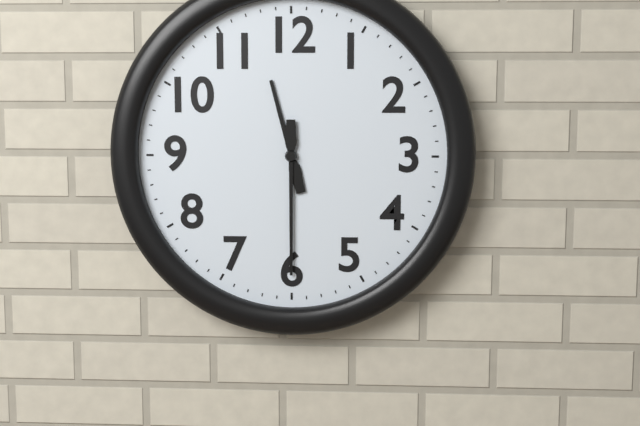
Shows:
11h30
